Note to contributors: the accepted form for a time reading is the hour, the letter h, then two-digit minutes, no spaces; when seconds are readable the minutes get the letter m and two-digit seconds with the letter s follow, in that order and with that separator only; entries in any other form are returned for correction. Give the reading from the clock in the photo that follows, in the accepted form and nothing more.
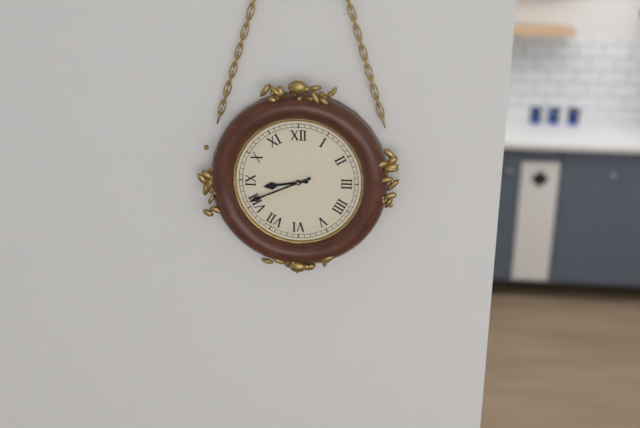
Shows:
8h41
